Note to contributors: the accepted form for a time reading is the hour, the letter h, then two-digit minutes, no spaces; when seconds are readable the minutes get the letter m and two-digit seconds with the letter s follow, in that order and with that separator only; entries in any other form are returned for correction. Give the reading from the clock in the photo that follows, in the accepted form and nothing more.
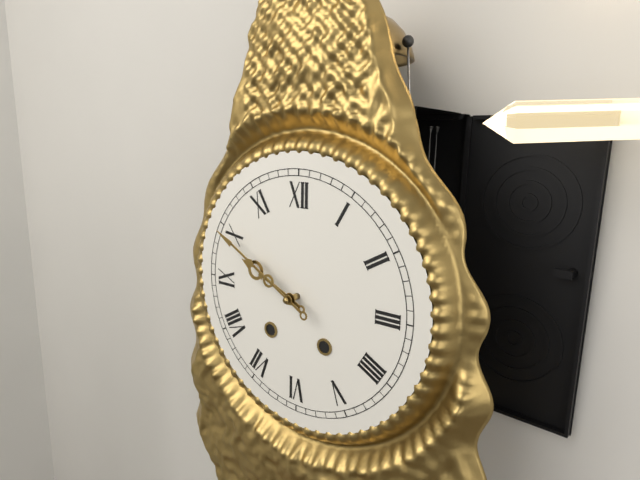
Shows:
9h50
